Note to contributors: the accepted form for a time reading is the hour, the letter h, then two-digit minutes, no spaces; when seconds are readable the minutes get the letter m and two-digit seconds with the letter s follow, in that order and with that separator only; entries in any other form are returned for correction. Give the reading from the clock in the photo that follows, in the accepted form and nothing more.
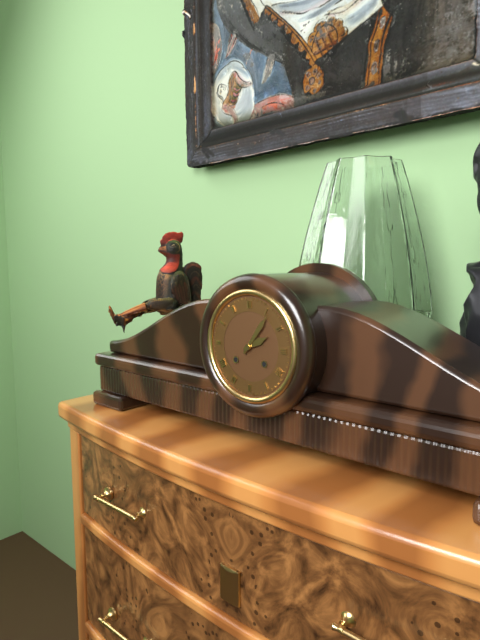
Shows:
2h06
